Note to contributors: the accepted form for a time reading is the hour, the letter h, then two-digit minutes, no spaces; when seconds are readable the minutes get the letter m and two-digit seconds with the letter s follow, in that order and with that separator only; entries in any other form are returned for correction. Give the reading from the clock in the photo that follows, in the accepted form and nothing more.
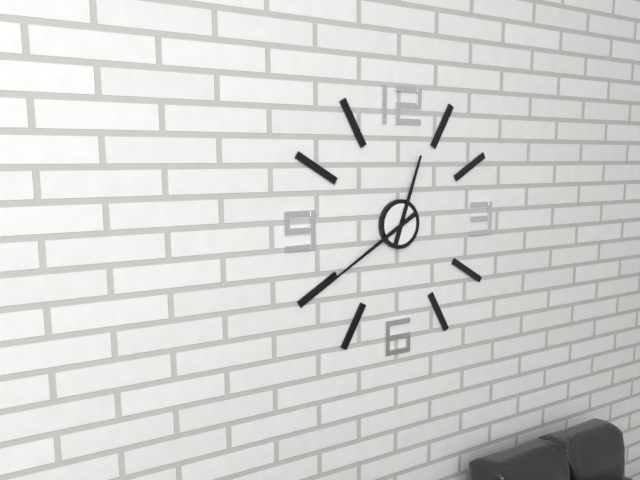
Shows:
12h40
